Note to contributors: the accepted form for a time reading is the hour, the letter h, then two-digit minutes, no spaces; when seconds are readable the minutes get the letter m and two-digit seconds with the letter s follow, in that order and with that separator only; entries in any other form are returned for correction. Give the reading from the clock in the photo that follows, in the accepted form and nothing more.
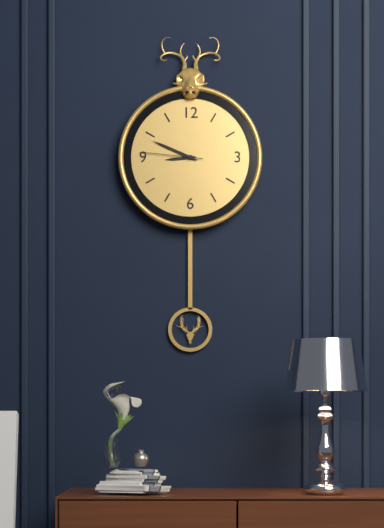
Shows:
8h49m46s
